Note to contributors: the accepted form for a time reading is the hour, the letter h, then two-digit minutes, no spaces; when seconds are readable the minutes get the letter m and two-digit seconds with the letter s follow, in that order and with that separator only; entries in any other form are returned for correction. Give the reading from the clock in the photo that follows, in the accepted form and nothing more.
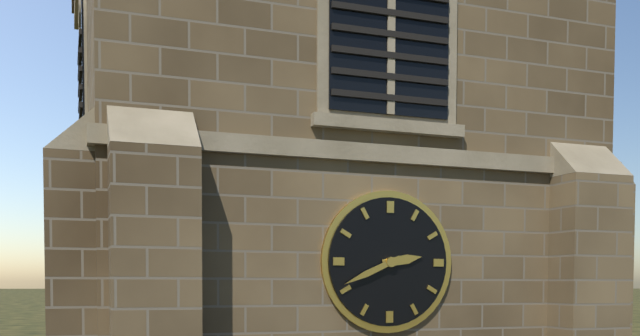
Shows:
2h41
